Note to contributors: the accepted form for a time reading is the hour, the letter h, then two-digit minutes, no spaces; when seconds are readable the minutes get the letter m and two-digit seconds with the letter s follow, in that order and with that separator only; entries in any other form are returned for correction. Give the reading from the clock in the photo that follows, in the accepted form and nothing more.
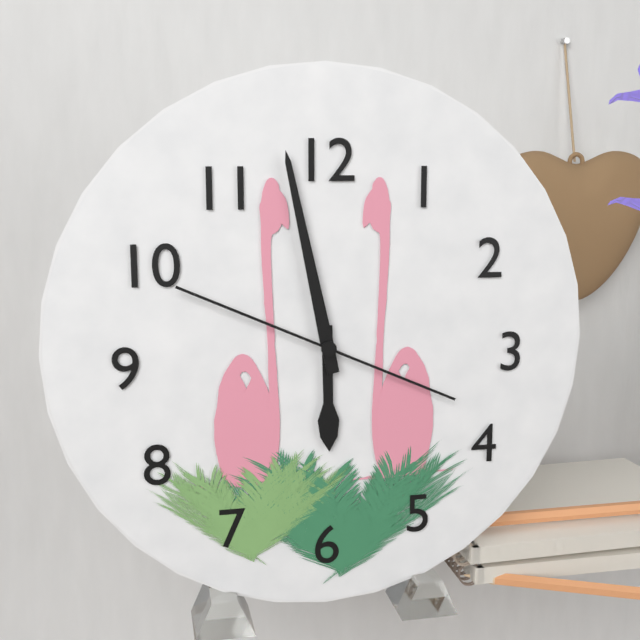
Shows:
5h58m49s
